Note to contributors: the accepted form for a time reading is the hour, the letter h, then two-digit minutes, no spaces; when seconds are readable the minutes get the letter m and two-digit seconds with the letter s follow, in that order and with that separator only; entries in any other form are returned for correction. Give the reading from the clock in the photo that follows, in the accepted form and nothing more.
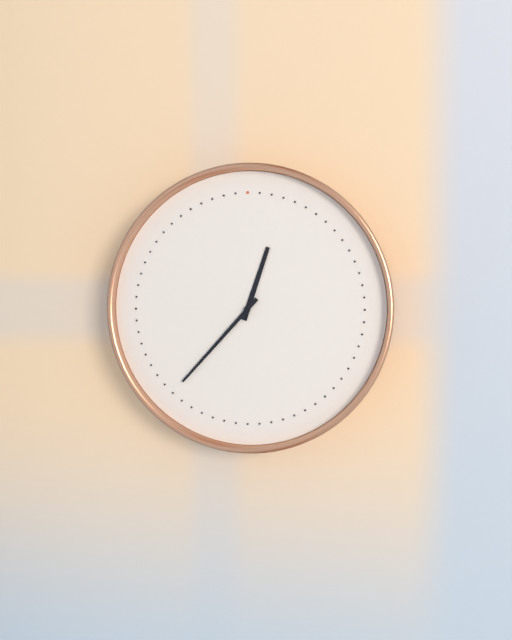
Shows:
12h37
